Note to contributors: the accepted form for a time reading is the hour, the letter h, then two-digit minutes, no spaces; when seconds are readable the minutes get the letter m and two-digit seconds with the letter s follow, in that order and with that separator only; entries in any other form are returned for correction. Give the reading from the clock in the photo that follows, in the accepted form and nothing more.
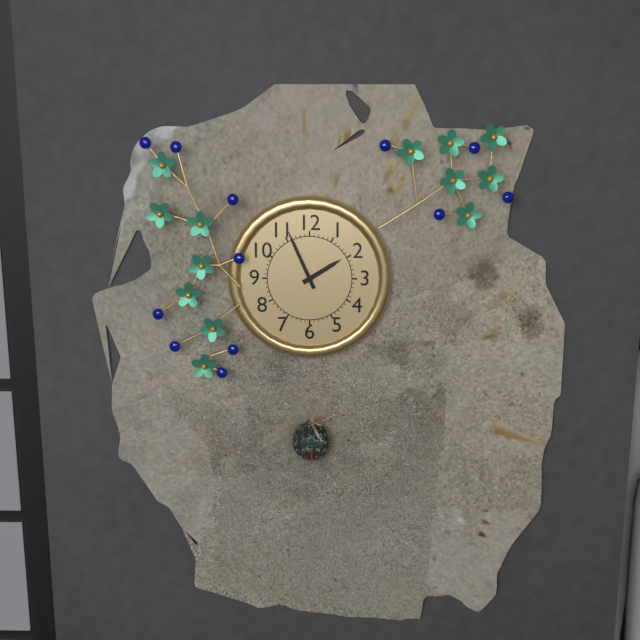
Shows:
1h56
